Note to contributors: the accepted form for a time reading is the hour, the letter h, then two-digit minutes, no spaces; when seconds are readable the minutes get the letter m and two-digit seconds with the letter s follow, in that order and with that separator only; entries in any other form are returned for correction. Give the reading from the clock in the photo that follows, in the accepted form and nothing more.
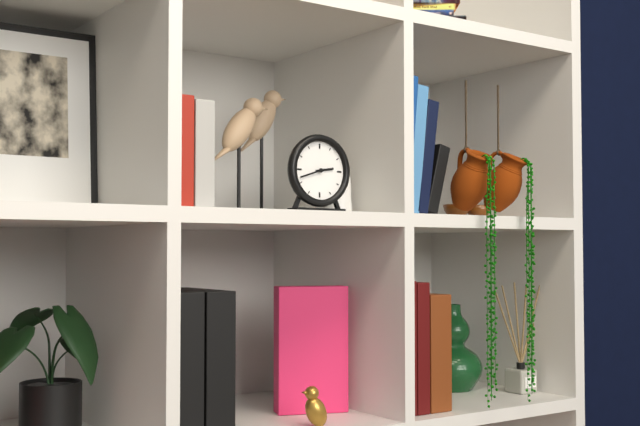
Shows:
2h42
